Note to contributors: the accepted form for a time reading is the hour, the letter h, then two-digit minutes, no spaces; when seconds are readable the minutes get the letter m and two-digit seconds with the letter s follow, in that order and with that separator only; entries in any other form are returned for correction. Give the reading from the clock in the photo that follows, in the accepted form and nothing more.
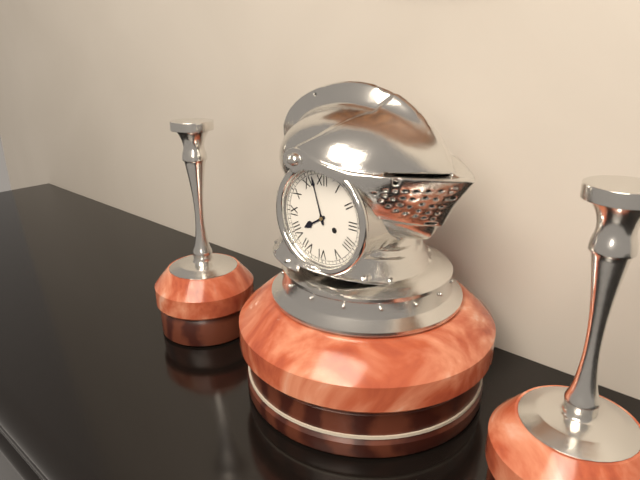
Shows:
7h57
